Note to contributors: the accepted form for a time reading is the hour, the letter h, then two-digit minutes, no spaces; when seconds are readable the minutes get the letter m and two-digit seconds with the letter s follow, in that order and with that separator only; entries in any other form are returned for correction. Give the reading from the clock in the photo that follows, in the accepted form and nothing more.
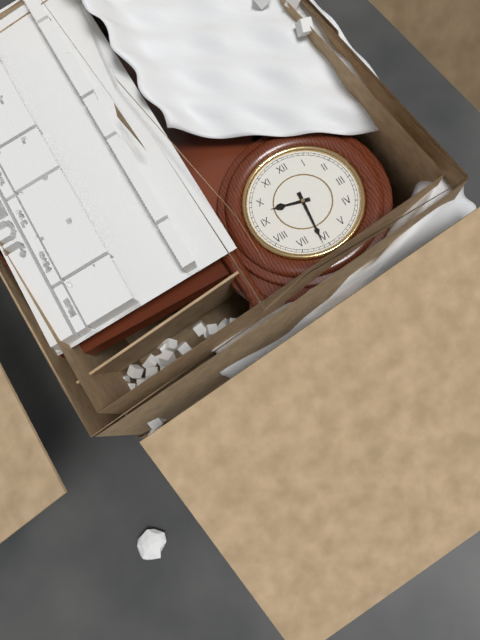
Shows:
9h31
